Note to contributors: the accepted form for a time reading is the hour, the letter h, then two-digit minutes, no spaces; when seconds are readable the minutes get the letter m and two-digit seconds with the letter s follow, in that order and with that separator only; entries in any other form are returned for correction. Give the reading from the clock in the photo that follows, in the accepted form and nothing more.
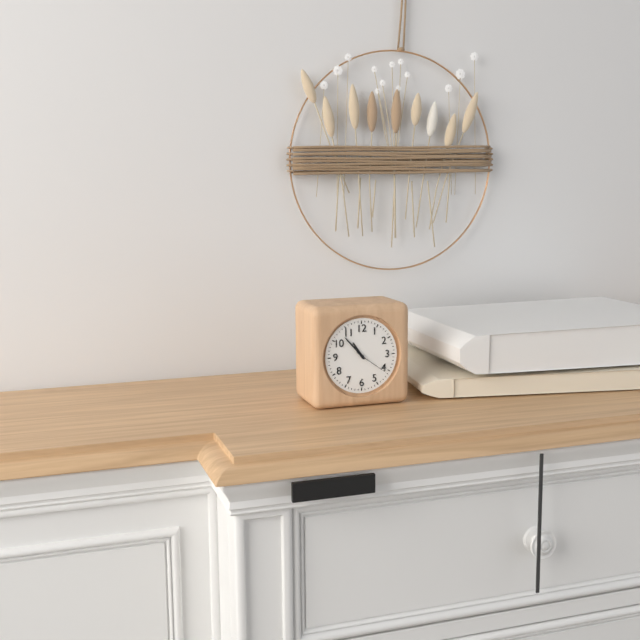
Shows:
10h53
